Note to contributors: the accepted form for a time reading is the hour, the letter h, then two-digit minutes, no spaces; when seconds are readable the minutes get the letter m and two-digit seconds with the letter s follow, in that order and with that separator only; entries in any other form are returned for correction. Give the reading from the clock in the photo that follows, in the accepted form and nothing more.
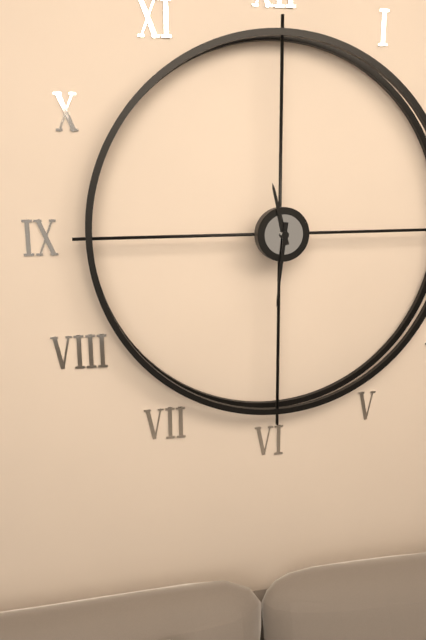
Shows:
11h31
